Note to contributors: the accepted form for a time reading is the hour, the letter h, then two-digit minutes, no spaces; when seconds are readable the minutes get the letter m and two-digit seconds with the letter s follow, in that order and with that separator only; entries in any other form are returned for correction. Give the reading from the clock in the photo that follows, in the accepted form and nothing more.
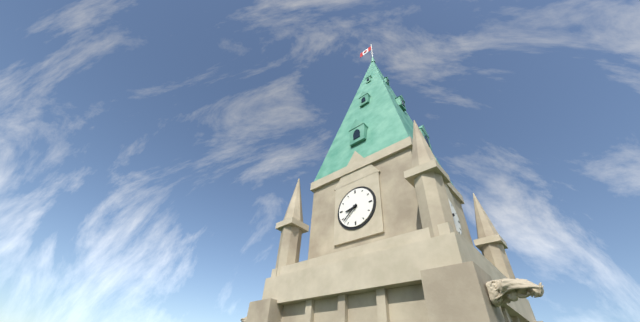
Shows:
8h38
